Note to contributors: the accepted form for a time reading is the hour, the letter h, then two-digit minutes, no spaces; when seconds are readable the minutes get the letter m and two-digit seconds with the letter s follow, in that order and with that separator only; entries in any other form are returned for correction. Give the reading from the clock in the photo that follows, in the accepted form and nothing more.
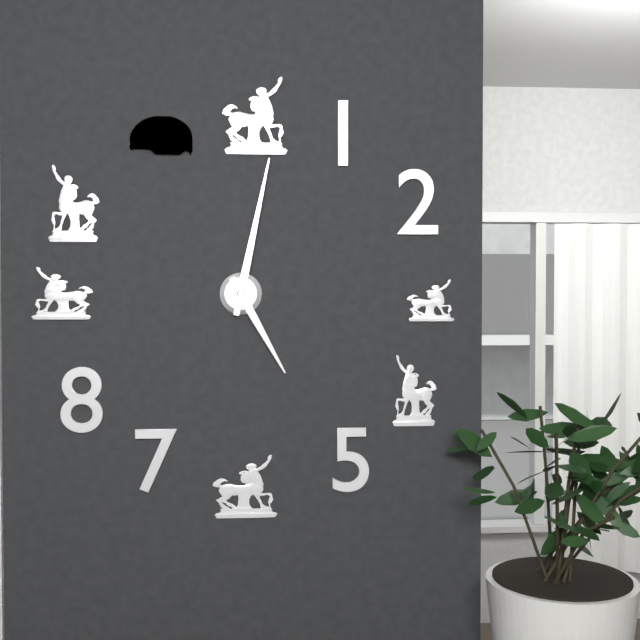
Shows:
5h02
